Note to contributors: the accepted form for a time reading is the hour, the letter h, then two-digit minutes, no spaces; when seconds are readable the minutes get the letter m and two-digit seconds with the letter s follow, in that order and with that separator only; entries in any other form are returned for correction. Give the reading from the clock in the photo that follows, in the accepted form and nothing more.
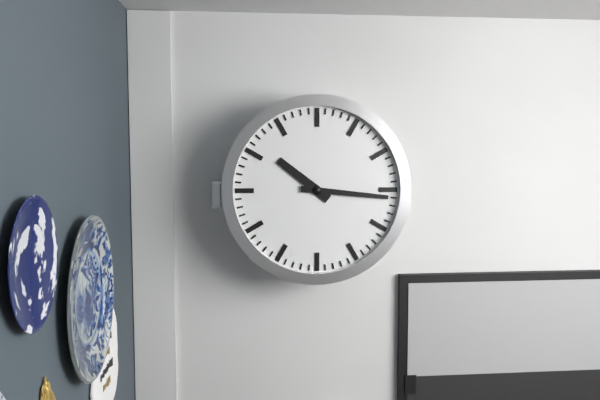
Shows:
10h16
